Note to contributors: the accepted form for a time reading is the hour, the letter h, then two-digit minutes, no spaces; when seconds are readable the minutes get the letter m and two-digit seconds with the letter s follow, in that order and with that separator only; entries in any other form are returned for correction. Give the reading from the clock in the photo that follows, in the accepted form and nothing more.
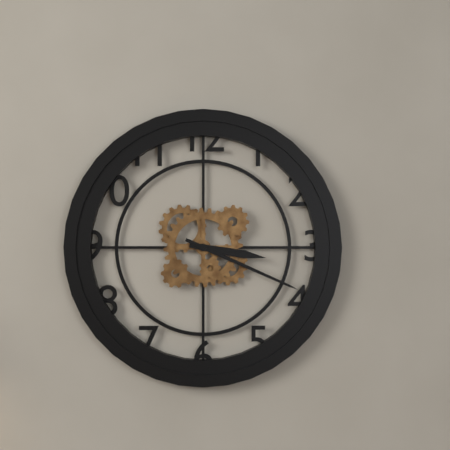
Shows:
3h19
